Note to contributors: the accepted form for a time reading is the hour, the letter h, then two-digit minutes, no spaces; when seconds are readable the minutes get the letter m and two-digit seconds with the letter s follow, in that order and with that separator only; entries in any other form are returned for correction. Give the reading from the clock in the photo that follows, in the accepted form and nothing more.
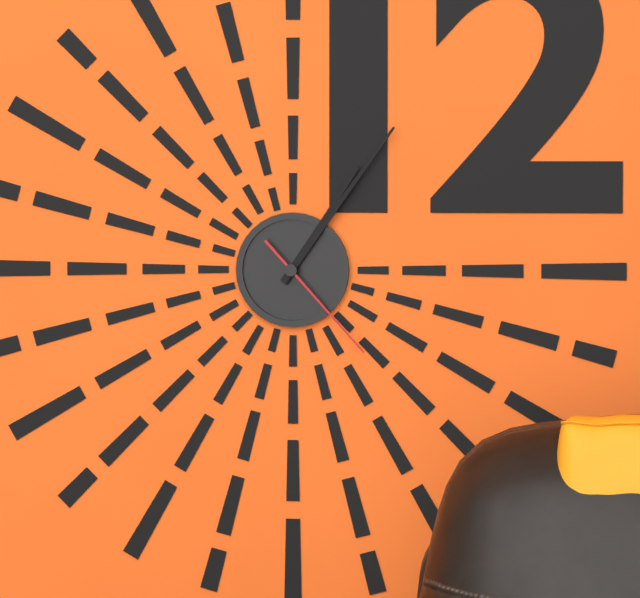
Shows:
1h06m23s
